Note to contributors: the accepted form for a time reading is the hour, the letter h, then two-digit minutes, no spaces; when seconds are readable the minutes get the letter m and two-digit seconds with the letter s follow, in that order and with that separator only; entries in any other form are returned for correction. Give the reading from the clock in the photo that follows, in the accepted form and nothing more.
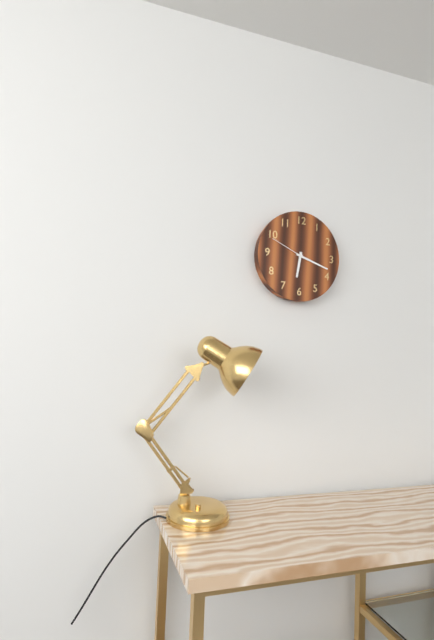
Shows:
6h18
